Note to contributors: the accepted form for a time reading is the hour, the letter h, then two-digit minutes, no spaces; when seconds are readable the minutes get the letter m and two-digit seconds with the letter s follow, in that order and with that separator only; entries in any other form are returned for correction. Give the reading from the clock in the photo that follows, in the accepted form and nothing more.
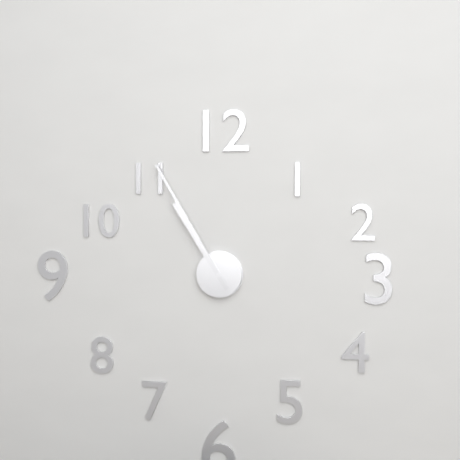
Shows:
10h55
